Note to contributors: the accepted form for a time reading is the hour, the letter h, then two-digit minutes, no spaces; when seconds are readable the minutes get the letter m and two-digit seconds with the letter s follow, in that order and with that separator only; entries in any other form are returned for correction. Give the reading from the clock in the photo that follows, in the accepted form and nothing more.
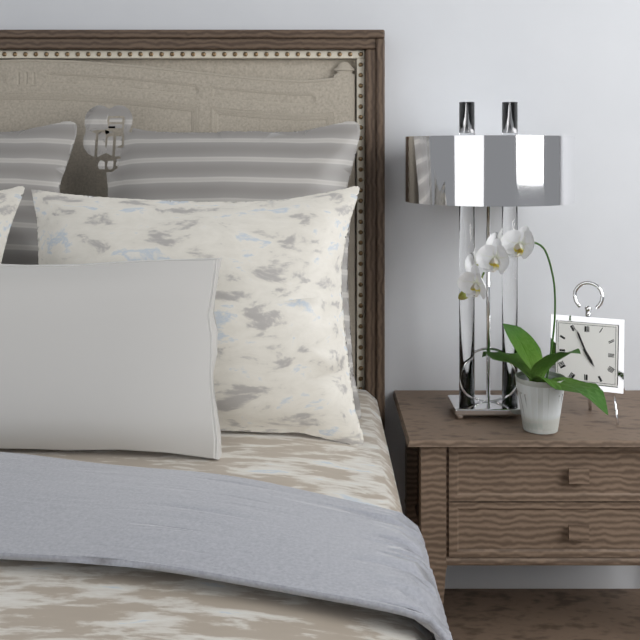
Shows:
4h56
